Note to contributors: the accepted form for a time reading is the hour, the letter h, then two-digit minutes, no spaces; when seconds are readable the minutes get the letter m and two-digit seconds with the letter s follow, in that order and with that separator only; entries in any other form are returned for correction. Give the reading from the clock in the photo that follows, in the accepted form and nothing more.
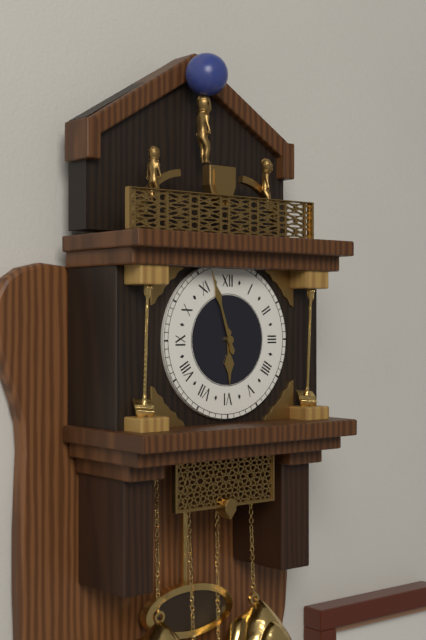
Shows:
5h57
